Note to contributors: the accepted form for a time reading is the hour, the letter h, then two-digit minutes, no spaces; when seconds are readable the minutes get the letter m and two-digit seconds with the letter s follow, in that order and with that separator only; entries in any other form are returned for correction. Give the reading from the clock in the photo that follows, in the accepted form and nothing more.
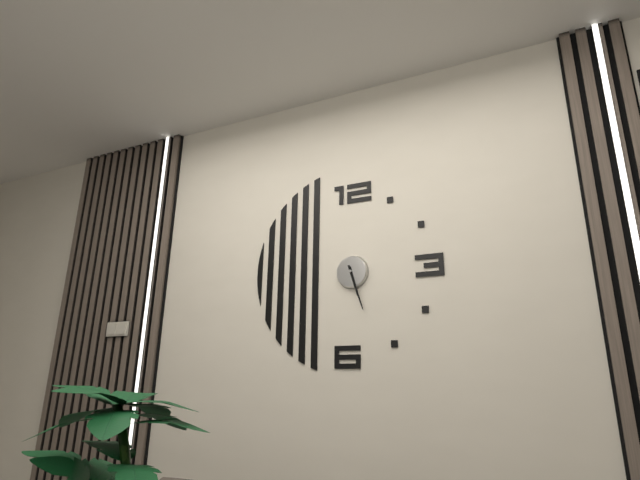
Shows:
5h27
